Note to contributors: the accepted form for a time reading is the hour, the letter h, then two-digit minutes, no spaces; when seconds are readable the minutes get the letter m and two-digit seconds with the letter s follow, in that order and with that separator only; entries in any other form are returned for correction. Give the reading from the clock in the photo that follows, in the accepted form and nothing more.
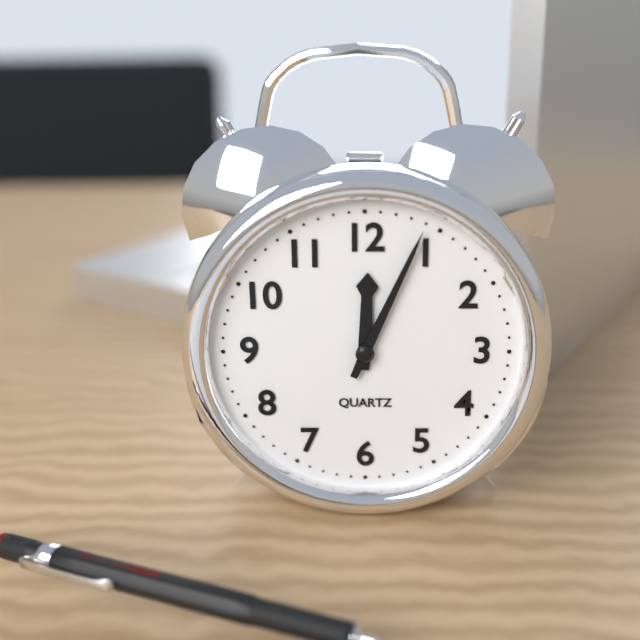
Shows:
12h04
